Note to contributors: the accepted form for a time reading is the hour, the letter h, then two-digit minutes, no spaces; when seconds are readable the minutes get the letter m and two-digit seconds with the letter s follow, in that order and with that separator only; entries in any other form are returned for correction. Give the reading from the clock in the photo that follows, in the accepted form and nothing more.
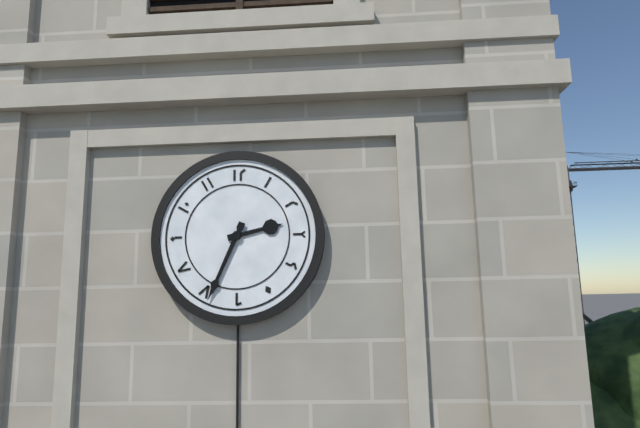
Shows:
2h34
